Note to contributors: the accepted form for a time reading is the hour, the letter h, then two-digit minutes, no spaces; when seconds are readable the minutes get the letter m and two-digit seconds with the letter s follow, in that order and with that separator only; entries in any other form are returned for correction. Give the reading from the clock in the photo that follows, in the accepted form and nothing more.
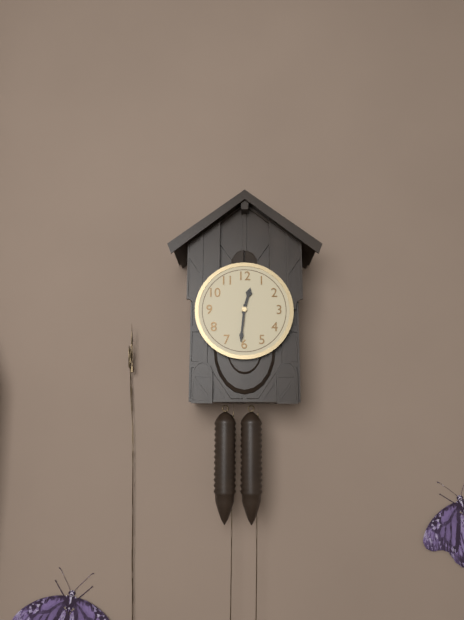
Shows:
12h31
